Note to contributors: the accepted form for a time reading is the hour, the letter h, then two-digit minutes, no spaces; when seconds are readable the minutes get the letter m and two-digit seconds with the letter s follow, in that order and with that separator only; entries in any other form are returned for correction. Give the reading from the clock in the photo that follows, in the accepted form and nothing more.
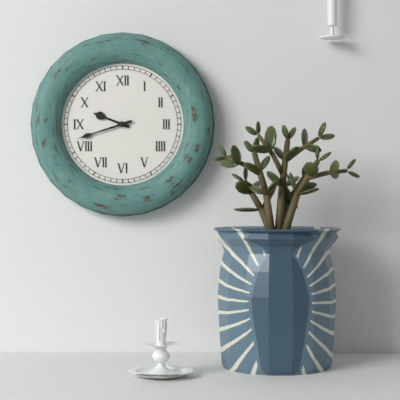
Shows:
9h42
